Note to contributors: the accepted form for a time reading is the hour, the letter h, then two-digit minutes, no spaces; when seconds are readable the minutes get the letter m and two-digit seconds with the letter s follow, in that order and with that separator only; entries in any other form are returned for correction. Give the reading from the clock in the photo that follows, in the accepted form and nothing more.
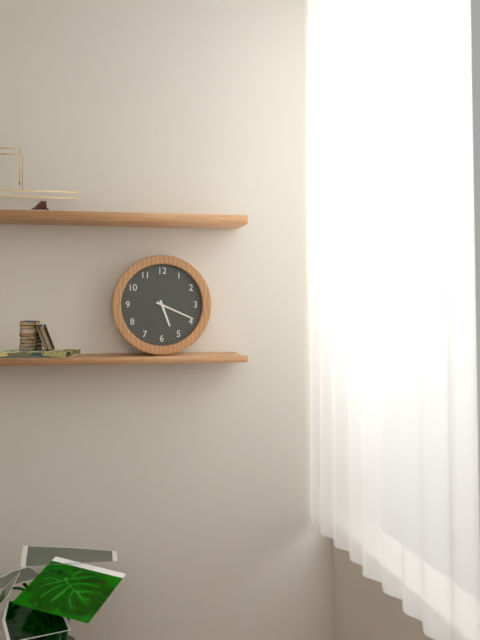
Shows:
5h19
